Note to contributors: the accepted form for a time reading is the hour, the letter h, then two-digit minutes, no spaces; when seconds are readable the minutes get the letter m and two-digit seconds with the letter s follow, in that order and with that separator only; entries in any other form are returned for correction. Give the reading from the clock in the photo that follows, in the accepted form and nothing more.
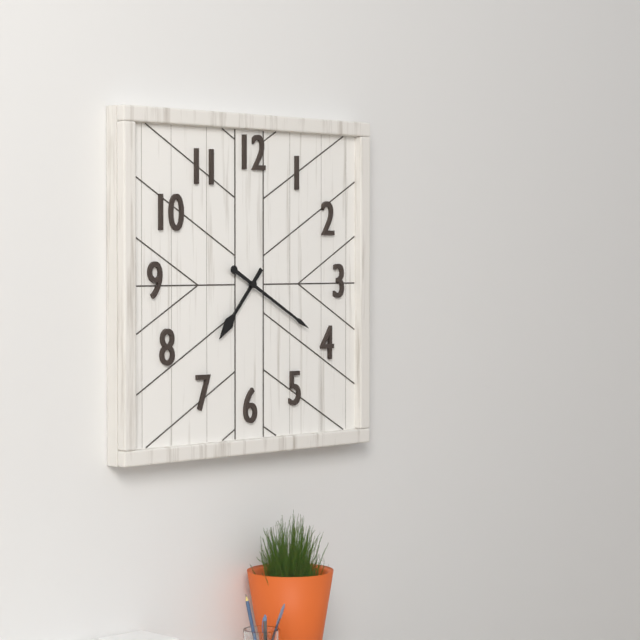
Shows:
7h20
